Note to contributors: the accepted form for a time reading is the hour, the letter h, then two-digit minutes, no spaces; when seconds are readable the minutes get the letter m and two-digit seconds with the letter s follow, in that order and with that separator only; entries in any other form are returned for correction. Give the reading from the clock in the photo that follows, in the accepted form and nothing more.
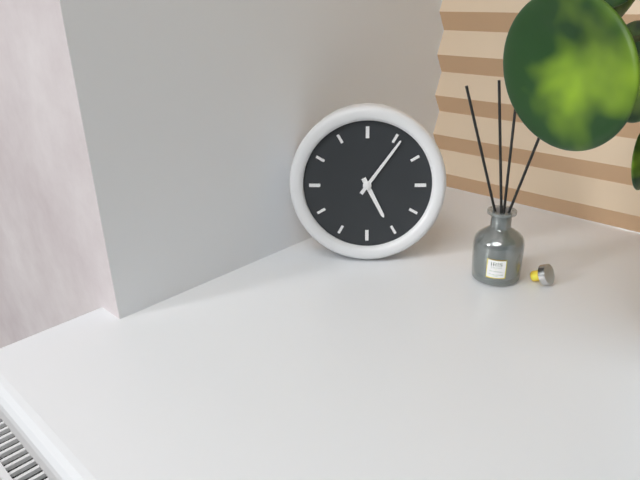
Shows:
5h06
